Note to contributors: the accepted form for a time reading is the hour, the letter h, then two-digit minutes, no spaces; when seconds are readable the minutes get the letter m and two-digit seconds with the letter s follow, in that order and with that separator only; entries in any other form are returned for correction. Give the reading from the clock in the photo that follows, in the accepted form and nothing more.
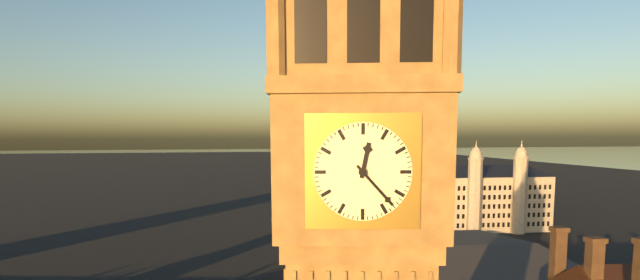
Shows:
12h23
